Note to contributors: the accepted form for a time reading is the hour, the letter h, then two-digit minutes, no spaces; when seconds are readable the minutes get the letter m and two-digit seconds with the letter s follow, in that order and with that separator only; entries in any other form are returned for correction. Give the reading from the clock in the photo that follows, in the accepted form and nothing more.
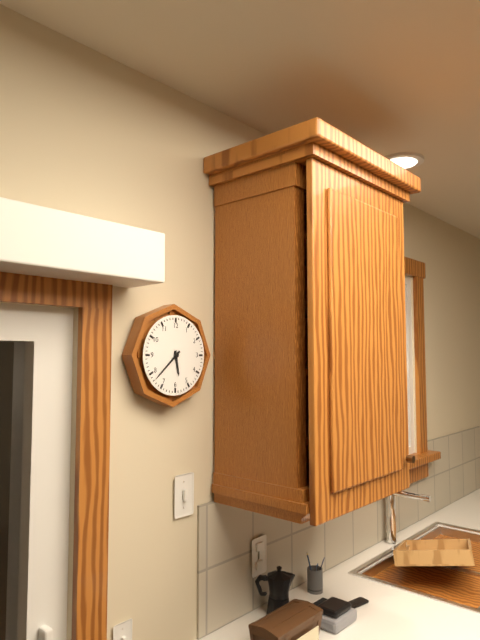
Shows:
5h38
